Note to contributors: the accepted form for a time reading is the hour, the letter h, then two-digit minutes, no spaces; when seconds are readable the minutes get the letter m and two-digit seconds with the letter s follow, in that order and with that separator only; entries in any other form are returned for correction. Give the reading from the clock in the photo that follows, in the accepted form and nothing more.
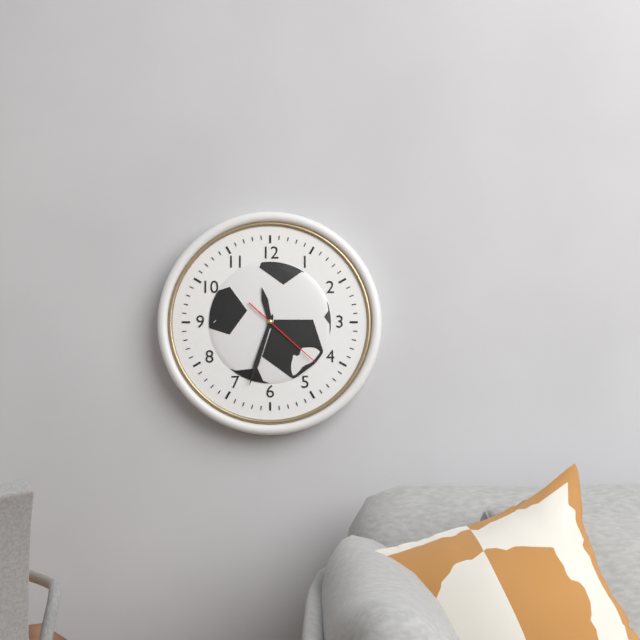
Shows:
11h33m22s
